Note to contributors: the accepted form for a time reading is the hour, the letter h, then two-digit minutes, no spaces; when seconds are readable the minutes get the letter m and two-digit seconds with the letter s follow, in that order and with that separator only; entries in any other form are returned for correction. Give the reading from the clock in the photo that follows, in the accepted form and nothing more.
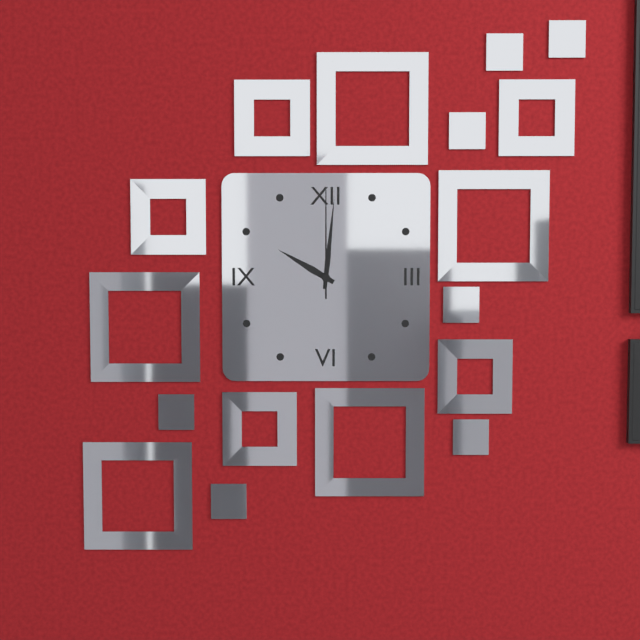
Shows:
10h01m00s
